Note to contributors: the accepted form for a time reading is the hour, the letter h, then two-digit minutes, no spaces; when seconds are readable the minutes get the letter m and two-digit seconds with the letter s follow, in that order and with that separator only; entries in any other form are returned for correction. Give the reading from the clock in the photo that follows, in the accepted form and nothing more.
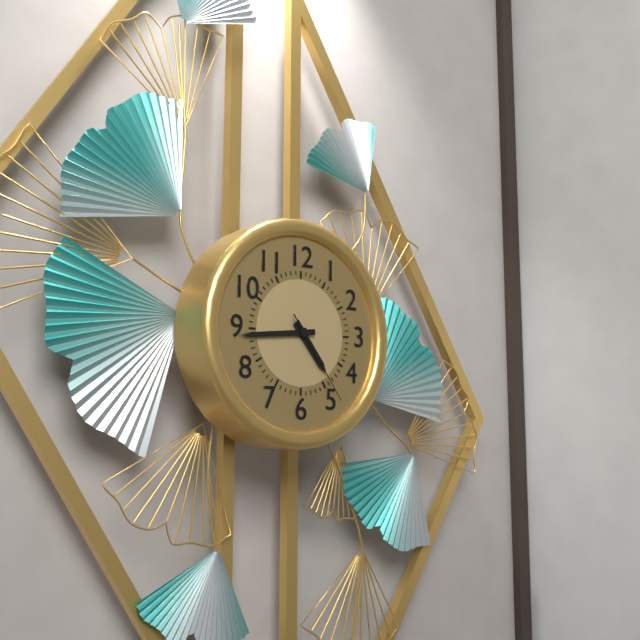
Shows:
4h44m24s
